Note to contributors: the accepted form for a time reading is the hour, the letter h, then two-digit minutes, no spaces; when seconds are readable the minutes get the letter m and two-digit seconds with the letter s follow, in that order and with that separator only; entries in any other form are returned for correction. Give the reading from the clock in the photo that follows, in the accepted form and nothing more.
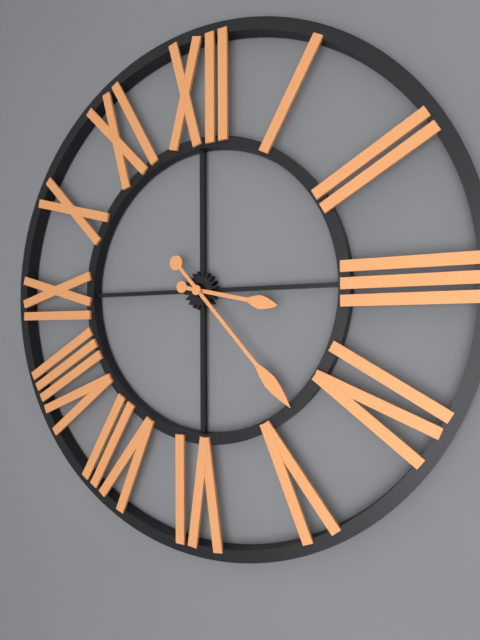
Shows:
3h23
